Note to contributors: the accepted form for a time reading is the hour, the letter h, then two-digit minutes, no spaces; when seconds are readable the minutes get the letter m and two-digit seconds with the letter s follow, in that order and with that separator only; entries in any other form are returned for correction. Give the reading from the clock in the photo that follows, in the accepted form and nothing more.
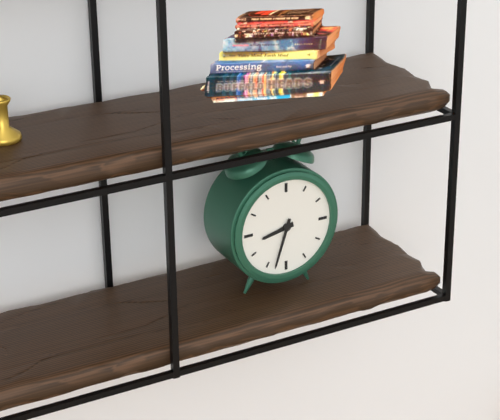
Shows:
8h33
